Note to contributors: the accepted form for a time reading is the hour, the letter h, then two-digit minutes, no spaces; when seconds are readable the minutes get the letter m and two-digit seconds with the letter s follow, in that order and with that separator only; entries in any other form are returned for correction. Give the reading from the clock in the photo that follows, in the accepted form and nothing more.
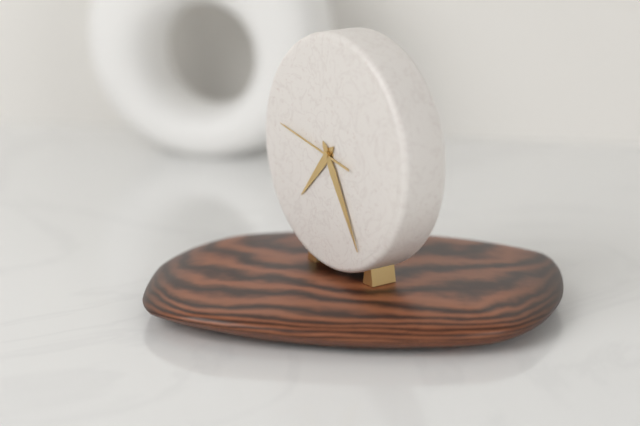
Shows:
7h25m47s
